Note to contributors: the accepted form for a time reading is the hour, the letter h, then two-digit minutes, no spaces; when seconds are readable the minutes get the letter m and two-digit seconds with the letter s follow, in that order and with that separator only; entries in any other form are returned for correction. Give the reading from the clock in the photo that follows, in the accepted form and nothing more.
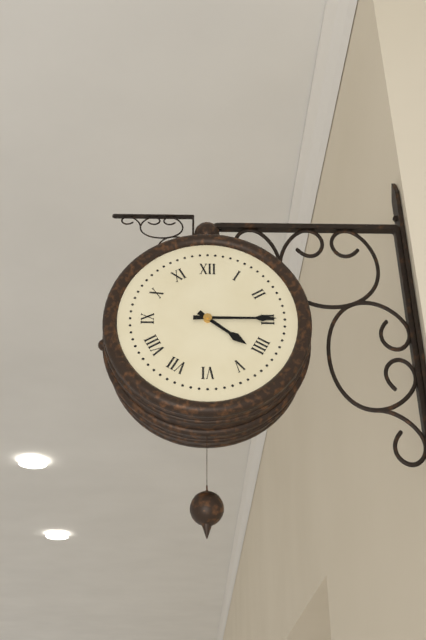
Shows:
4h15
